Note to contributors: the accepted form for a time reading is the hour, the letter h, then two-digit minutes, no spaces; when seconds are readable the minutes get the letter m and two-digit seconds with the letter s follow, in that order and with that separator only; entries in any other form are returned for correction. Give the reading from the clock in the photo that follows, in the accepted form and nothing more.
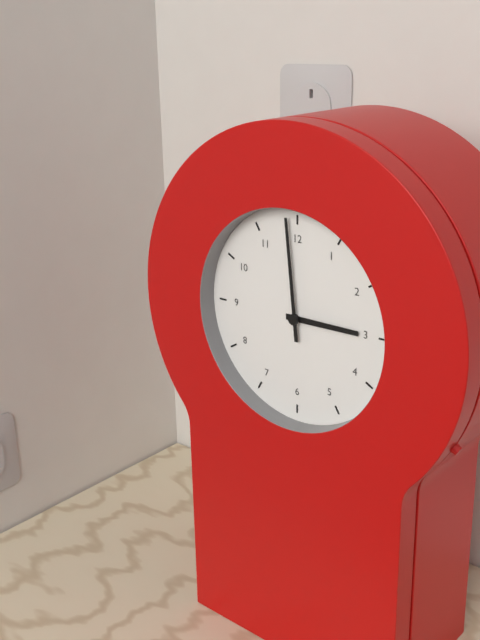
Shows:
2h59
